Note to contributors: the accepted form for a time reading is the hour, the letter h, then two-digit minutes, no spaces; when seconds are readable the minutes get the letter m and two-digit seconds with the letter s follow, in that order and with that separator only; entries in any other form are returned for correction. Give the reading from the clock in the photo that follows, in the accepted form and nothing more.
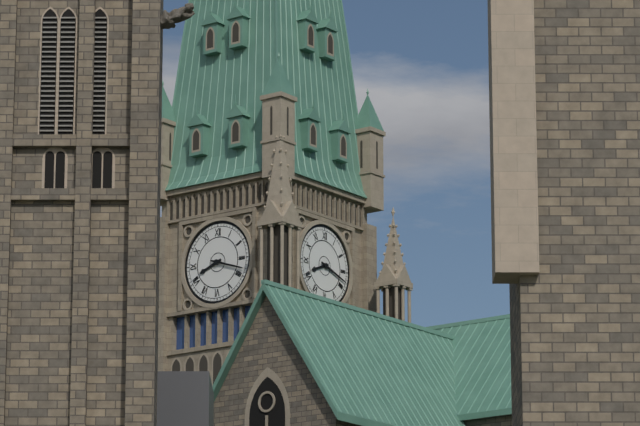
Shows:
8h18
